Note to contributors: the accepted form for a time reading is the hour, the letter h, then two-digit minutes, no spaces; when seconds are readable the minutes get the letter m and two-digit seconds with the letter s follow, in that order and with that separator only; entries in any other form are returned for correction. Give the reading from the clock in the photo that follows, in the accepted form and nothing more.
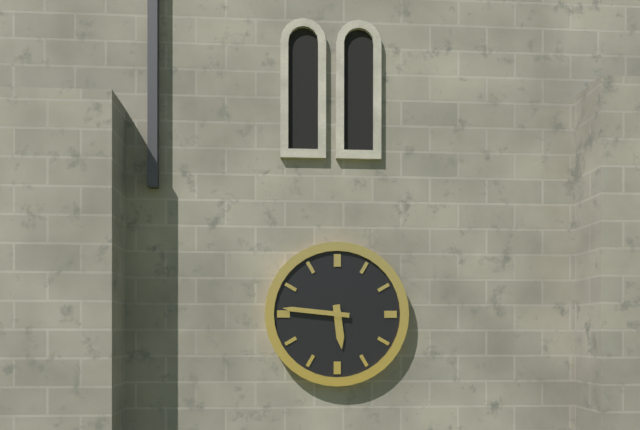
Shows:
5h46
